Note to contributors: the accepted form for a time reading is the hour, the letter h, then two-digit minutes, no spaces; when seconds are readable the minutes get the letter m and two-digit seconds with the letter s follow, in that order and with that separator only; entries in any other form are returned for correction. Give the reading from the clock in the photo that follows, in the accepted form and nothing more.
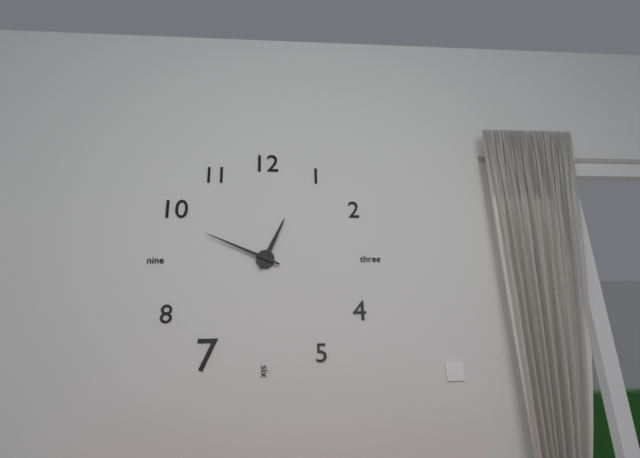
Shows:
12h49
